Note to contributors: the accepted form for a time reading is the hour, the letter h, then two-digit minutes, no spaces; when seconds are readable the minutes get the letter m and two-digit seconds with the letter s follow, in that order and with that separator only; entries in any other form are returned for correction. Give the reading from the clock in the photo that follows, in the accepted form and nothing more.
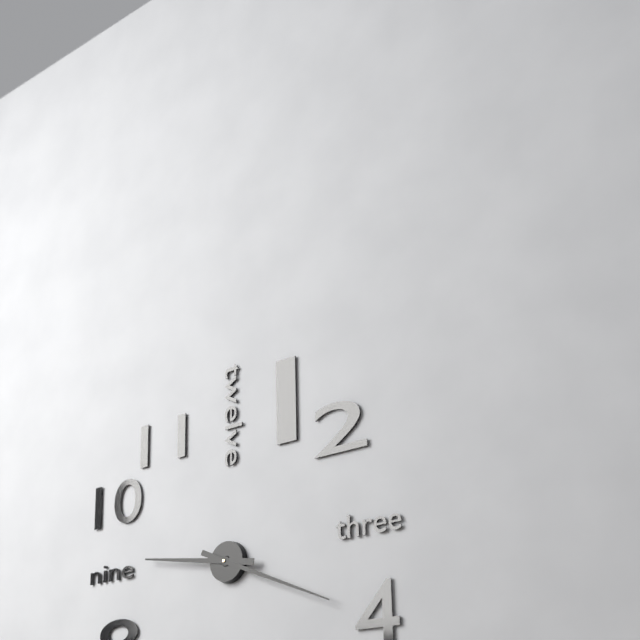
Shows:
9h19
